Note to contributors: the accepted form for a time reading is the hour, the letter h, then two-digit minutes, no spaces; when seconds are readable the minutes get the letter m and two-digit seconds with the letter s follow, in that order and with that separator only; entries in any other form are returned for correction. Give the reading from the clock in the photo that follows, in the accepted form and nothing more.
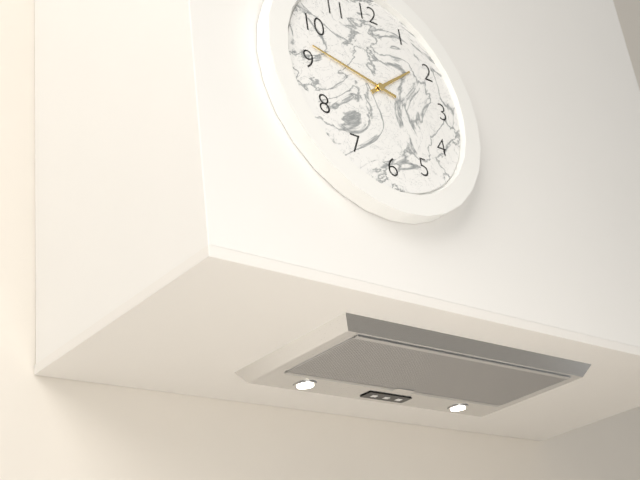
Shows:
1h47
